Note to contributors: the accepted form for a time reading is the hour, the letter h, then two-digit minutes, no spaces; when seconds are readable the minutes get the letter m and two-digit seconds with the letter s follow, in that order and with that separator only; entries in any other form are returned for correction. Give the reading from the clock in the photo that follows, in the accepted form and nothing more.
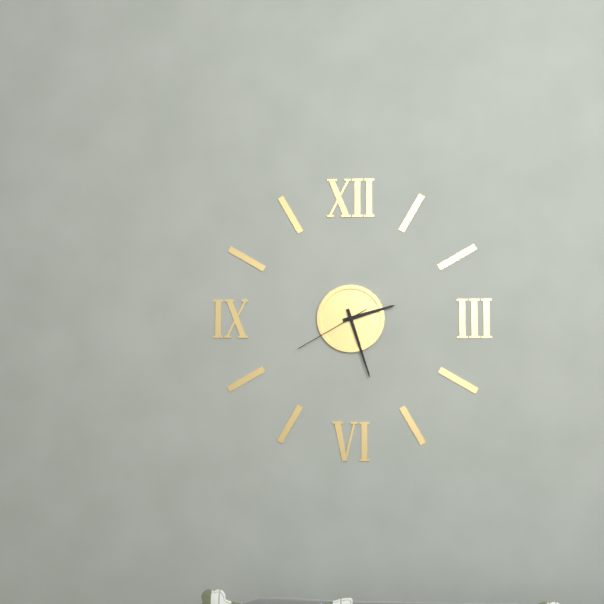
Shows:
2h27m40s
